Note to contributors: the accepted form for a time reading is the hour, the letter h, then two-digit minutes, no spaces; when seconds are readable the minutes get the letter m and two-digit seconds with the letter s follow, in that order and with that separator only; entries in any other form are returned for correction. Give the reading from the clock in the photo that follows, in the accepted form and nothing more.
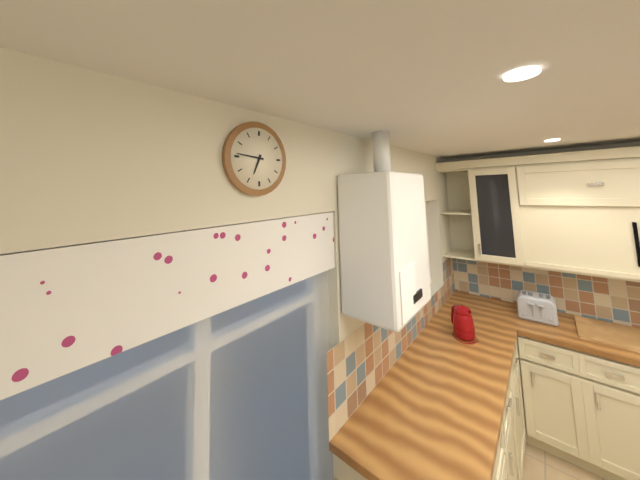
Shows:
6h46
